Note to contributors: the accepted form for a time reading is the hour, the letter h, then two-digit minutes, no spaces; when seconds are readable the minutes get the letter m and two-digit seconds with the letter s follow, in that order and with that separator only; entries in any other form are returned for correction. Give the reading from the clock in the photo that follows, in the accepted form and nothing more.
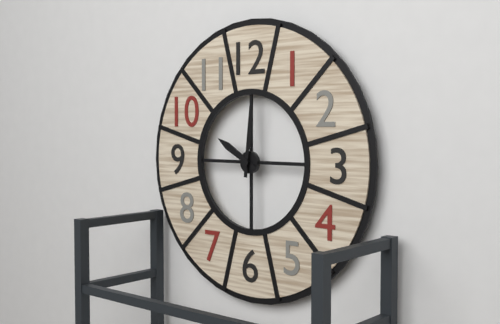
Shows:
10h01
